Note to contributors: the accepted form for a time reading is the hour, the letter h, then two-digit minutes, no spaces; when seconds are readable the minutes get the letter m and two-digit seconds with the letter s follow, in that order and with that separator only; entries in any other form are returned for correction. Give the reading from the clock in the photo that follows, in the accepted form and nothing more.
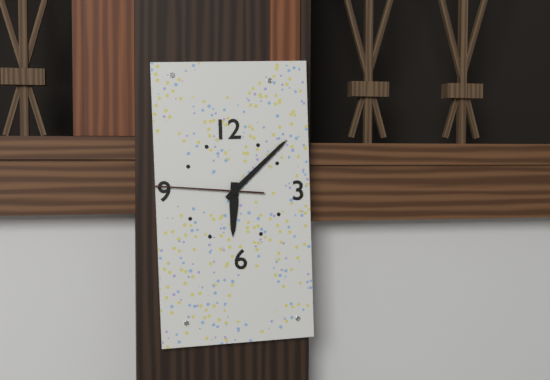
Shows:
6h08m46s
